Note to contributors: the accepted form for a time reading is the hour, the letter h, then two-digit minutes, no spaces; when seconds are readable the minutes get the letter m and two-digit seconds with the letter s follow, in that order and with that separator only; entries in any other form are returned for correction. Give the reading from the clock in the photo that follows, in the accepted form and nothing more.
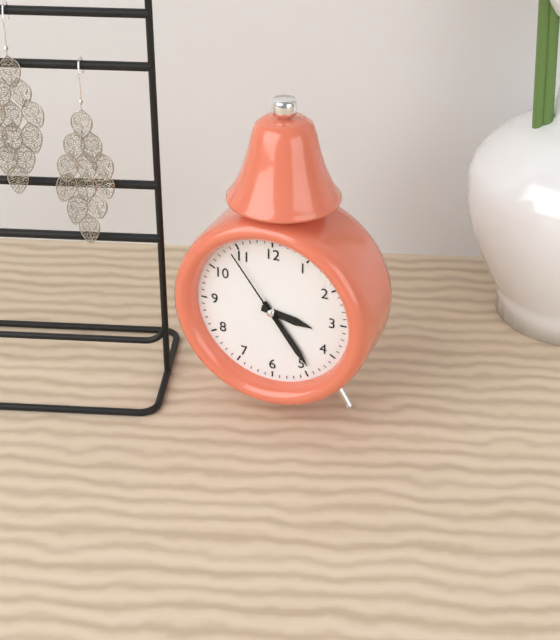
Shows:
3h24m54s
